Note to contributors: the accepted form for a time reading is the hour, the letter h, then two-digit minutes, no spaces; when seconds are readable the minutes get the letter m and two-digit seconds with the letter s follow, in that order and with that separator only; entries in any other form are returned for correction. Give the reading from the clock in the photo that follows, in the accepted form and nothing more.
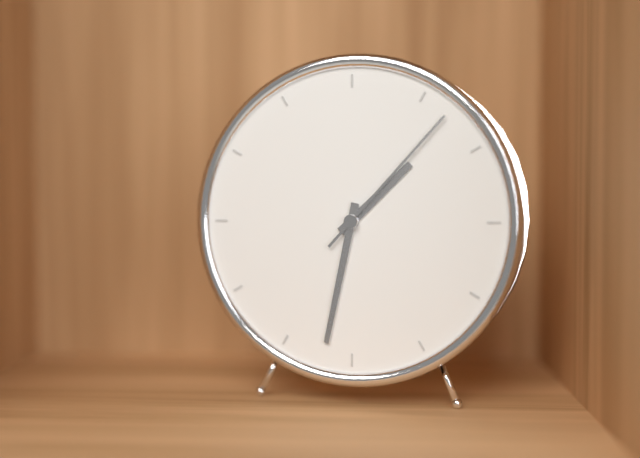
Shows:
1h32m07s
